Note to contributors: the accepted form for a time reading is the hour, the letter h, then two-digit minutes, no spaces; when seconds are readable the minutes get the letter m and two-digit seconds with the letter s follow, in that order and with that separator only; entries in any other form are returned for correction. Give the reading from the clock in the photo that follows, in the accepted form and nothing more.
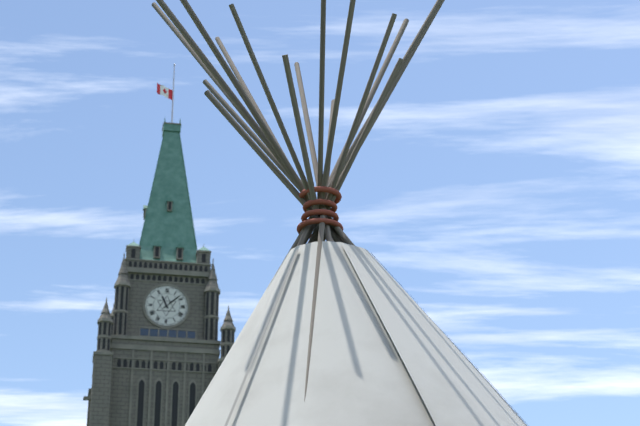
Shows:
11h08
